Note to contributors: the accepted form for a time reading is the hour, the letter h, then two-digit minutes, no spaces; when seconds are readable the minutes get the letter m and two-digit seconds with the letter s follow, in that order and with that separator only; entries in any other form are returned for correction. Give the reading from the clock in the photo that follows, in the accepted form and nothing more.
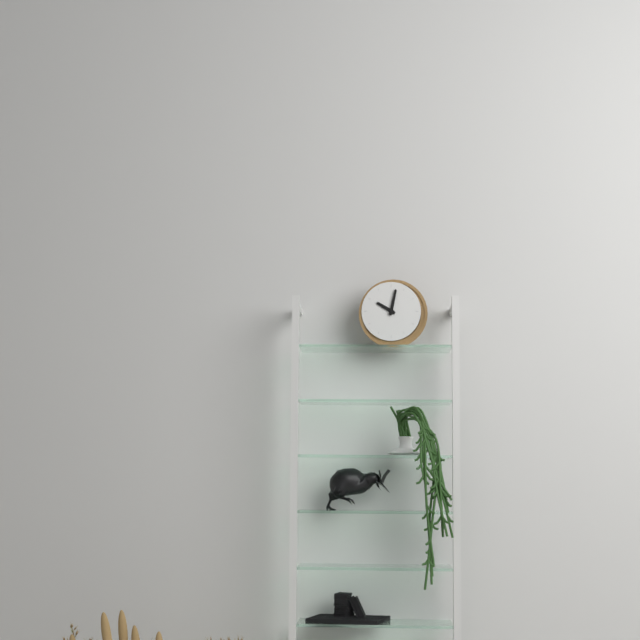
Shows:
10h02
